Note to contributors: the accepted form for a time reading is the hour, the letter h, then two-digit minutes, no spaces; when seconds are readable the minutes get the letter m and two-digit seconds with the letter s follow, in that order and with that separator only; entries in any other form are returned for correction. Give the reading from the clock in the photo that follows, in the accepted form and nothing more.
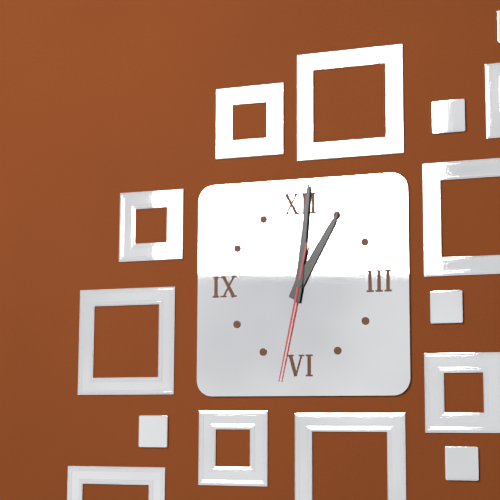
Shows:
1h01m32s
